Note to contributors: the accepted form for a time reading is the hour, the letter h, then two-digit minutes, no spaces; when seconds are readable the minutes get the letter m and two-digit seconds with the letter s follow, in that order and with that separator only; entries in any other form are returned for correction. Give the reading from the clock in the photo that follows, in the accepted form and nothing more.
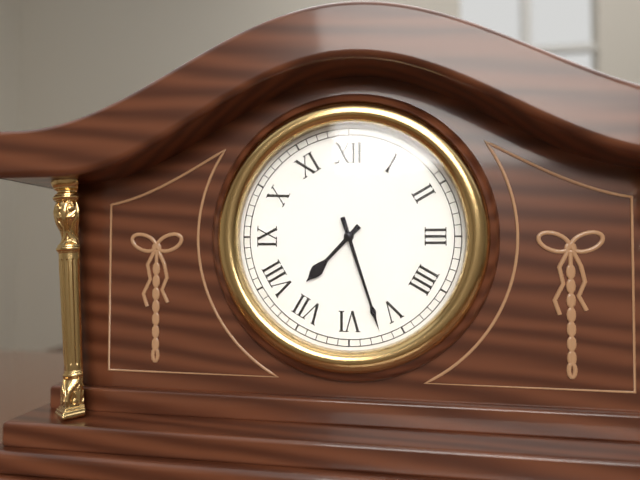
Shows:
7h27
